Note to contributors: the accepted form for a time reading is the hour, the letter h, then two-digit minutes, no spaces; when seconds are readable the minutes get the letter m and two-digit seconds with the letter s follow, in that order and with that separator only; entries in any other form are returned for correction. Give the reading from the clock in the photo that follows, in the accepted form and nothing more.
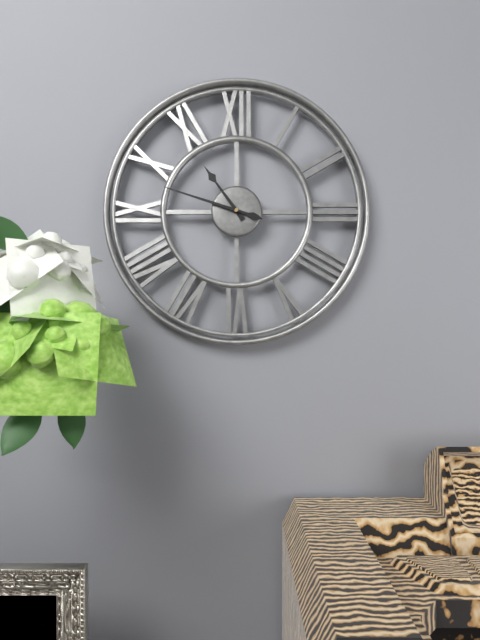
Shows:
10h48
